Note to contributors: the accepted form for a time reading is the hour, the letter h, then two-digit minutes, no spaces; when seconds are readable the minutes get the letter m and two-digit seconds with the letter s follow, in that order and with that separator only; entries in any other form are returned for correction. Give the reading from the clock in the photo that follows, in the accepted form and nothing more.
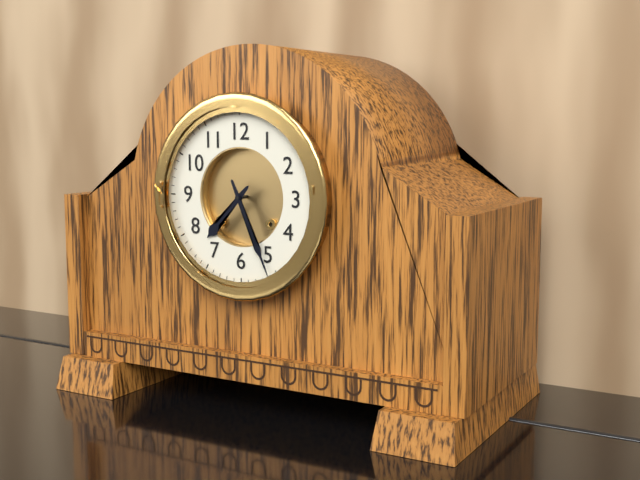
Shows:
7h26
